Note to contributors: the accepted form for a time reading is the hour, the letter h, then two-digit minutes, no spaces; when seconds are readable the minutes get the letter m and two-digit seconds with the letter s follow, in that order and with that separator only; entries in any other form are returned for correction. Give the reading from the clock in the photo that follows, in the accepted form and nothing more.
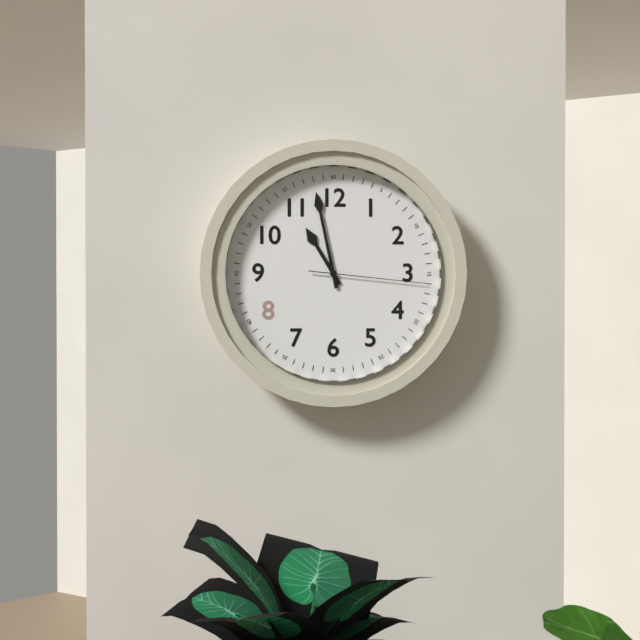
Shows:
10h58m16s
